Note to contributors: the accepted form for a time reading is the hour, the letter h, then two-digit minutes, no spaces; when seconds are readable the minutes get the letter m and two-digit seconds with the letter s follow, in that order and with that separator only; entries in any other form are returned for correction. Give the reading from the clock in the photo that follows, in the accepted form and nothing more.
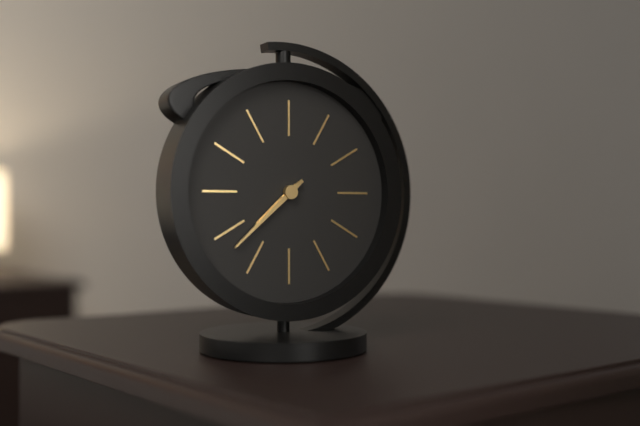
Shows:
7h38
